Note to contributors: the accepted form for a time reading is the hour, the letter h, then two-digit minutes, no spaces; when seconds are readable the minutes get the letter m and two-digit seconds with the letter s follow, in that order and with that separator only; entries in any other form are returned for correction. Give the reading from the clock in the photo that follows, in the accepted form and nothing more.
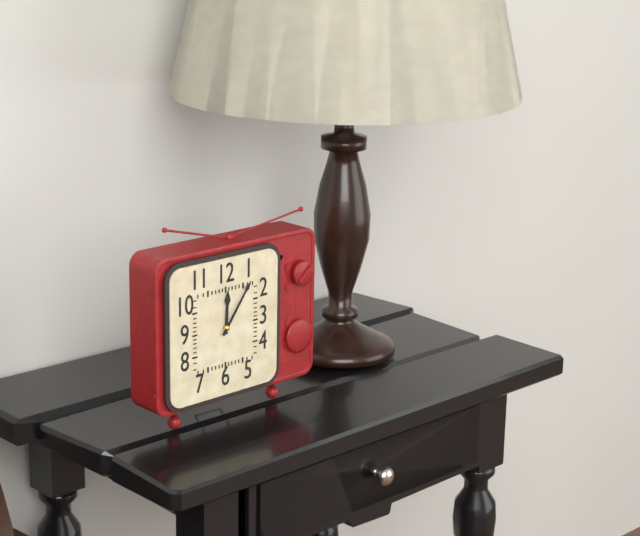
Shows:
12h06
